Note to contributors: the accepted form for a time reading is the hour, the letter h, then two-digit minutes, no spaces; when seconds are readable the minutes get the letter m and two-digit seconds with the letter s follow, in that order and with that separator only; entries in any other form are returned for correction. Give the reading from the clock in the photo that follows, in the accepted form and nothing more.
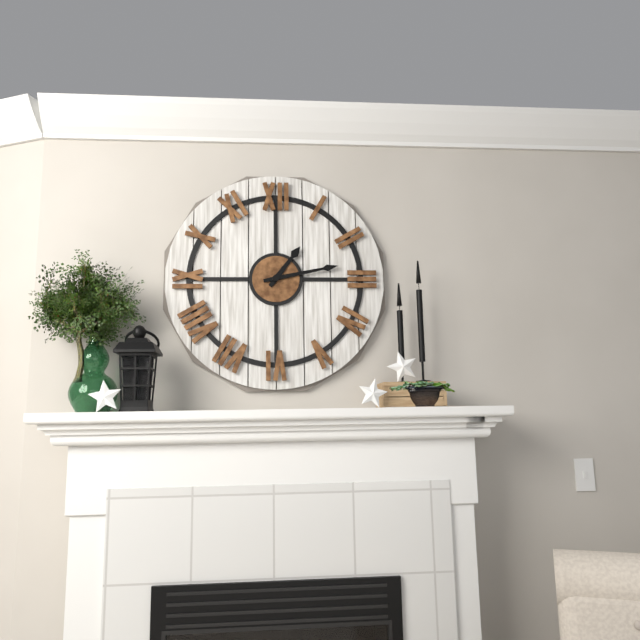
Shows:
1h13
